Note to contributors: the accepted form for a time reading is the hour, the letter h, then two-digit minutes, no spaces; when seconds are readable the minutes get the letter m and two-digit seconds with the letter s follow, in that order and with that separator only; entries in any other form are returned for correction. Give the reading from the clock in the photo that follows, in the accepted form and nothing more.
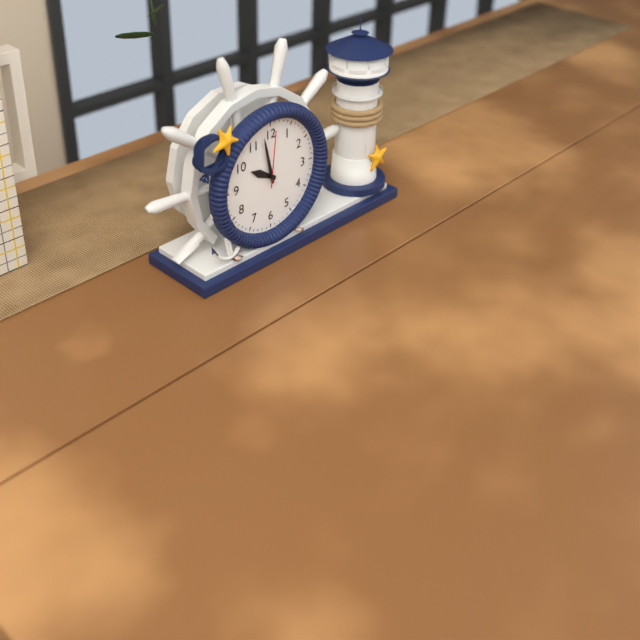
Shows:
9h58m01s
